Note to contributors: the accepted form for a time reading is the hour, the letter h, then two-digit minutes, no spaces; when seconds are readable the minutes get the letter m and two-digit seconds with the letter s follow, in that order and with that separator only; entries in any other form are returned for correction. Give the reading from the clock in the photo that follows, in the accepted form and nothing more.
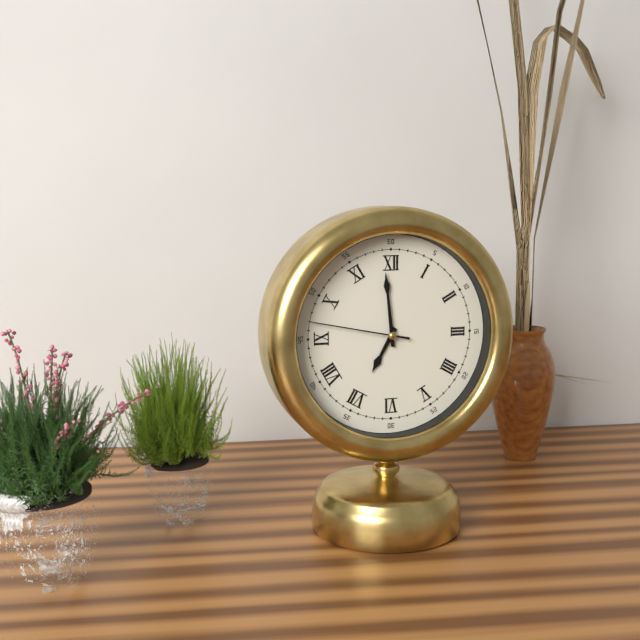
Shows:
6h59m47s
